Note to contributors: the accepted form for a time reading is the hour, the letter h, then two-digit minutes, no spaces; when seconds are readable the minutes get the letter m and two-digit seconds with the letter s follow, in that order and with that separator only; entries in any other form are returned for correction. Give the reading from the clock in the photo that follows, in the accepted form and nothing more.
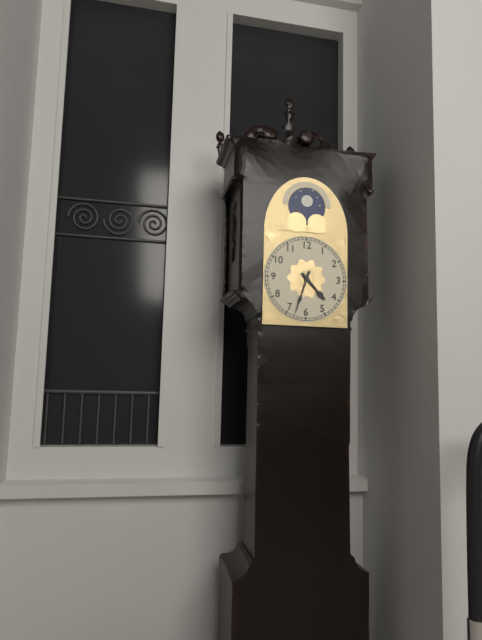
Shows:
4h33
